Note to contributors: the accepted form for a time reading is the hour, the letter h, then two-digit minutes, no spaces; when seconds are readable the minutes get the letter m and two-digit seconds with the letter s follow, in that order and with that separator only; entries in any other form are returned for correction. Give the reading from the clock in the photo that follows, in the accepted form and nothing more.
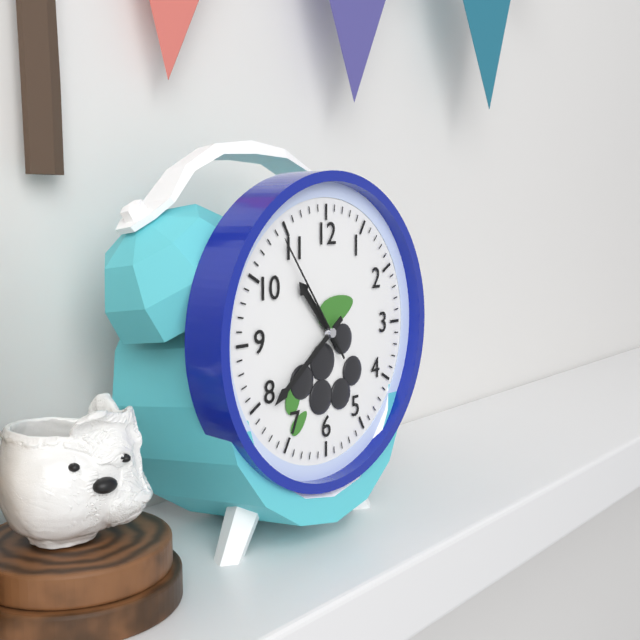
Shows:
10h39m54s
